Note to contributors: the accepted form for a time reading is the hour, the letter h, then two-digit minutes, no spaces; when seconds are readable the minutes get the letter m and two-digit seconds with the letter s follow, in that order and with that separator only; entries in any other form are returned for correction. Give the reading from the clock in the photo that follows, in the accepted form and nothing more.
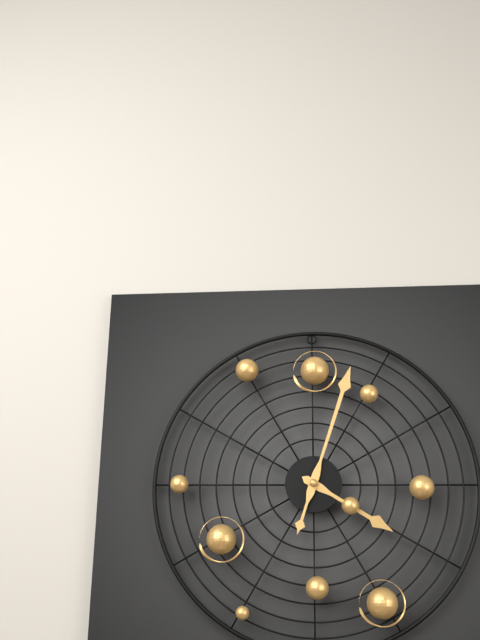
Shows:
4h03
